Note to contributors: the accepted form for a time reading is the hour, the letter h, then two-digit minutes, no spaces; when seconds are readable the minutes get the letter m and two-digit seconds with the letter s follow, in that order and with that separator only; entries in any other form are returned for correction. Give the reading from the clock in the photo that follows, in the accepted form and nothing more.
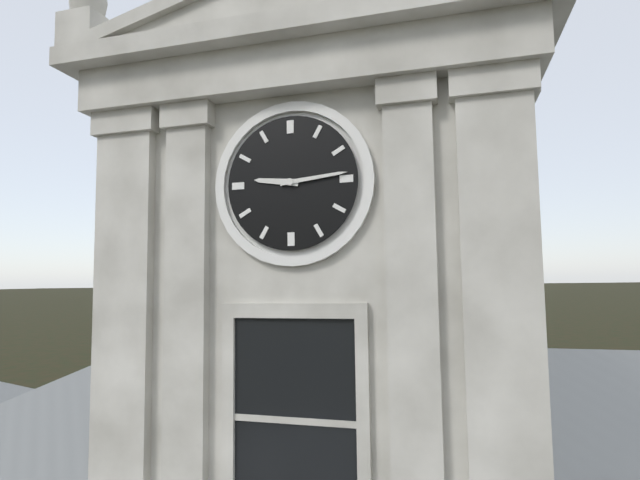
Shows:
9h14
